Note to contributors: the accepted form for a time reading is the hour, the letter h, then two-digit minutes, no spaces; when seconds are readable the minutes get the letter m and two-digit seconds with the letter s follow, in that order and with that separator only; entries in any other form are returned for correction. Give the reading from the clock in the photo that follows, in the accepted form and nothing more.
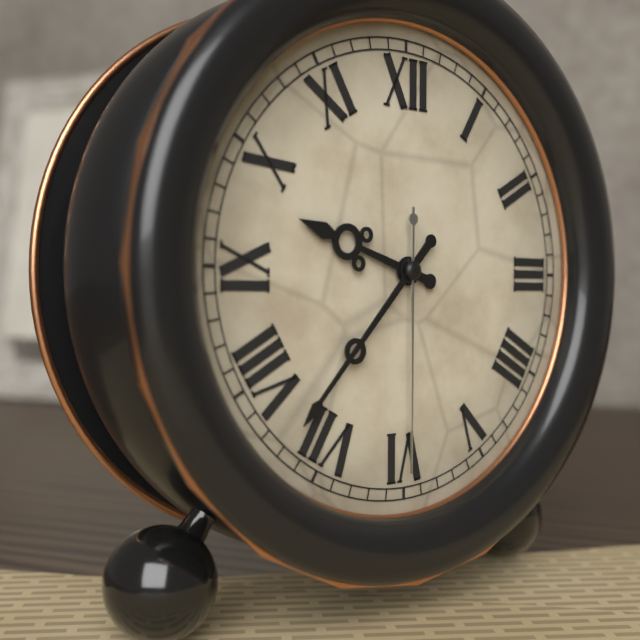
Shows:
9h37m30s
